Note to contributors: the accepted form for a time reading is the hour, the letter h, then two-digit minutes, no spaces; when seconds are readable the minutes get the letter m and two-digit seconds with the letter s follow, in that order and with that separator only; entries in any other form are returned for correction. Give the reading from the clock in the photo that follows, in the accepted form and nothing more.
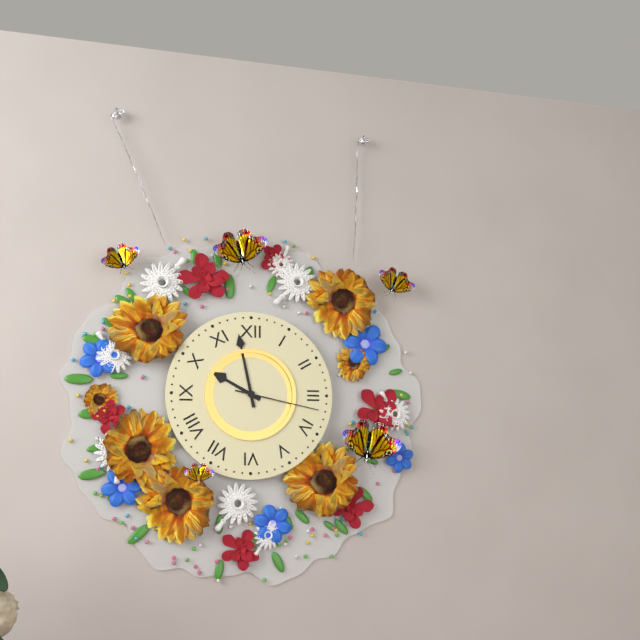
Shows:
9h58m17s
